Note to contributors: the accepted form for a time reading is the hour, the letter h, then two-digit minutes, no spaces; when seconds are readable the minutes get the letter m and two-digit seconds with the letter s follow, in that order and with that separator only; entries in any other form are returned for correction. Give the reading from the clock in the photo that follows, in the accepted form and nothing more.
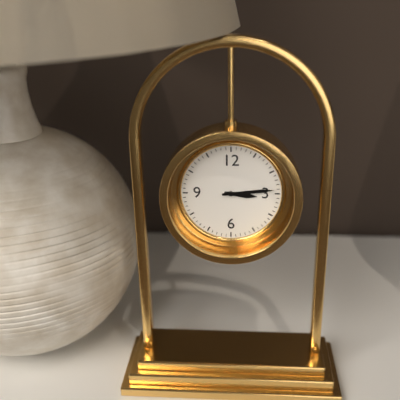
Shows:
3h14
